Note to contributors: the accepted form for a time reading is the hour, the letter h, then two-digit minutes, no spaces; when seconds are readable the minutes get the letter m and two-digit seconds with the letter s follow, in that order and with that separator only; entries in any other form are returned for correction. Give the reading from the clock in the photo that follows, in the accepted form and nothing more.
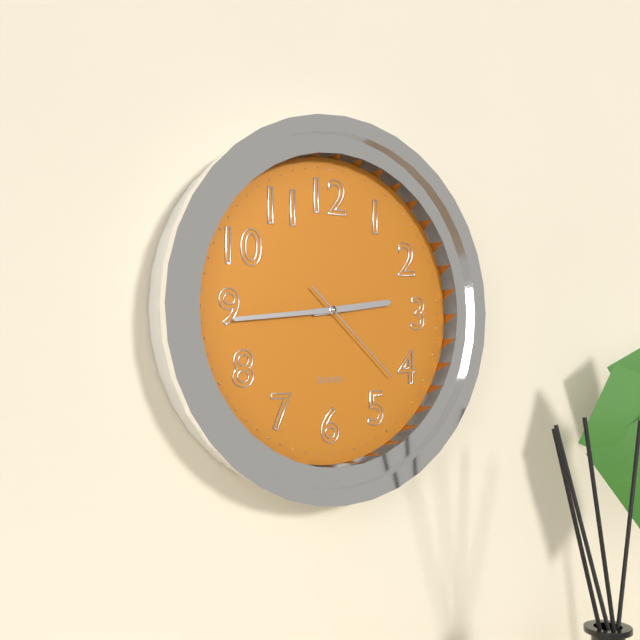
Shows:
2h44m22s
